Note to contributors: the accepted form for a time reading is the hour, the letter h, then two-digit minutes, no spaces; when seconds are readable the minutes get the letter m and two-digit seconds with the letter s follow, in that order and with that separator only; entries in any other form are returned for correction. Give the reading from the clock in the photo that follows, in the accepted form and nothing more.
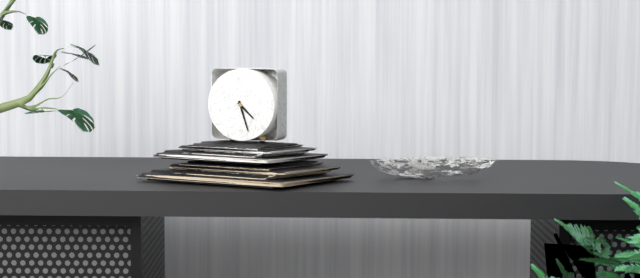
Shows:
4h27
